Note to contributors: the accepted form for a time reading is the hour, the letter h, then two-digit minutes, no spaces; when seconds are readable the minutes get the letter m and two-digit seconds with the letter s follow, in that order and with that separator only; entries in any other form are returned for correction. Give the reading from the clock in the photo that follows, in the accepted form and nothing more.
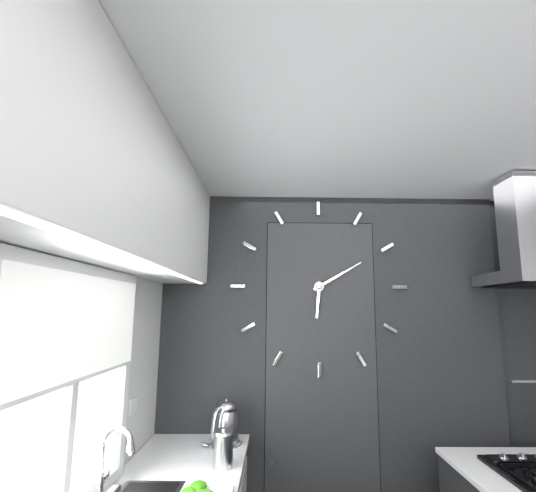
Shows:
6h10
